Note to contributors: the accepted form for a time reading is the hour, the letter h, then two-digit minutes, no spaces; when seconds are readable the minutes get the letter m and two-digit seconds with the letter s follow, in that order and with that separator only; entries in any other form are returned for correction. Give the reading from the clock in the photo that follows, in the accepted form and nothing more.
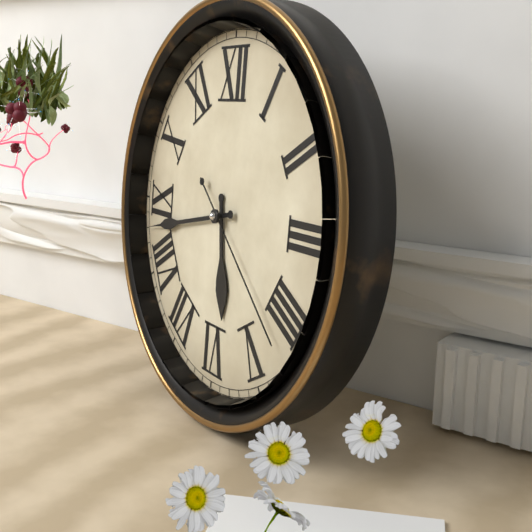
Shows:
5h43m22s
